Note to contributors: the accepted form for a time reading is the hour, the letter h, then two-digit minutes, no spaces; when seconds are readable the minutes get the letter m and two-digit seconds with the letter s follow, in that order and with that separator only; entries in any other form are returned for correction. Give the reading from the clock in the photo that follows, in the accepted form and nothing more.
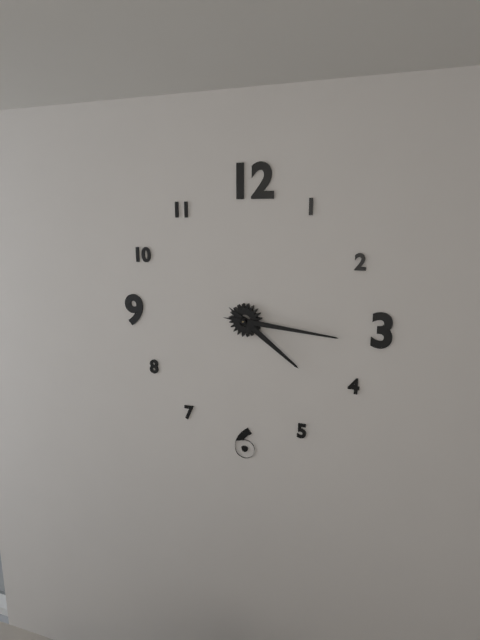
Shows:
4h16
